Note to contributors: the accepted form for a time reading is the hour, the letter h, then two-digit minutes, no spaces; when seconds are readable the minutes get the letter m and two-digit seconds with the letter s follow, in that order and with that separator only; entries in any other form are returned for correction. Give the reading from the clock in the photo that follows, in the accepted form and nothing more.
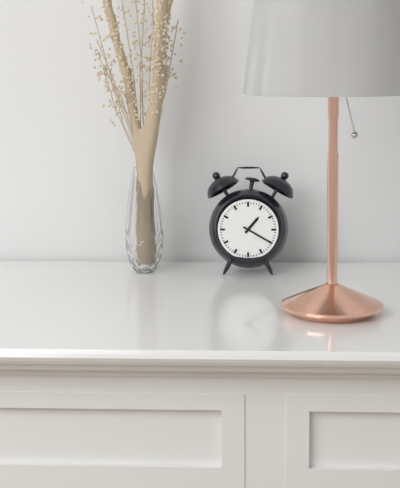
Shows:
1h20
